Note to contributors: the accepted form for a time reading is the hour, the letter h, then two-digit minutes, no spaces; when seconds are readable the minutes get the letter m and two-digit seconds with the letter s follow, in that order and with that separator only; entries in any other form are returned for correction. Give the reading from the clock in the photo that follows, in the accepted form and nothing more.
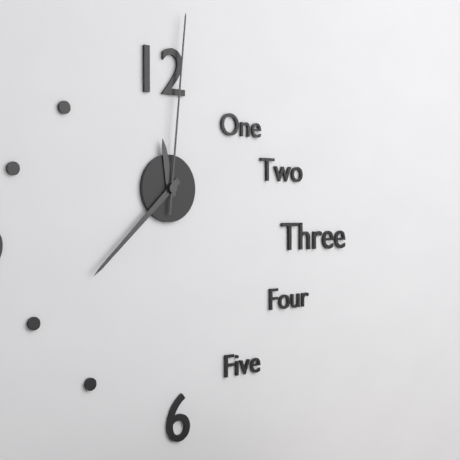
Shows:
11h38m01s
